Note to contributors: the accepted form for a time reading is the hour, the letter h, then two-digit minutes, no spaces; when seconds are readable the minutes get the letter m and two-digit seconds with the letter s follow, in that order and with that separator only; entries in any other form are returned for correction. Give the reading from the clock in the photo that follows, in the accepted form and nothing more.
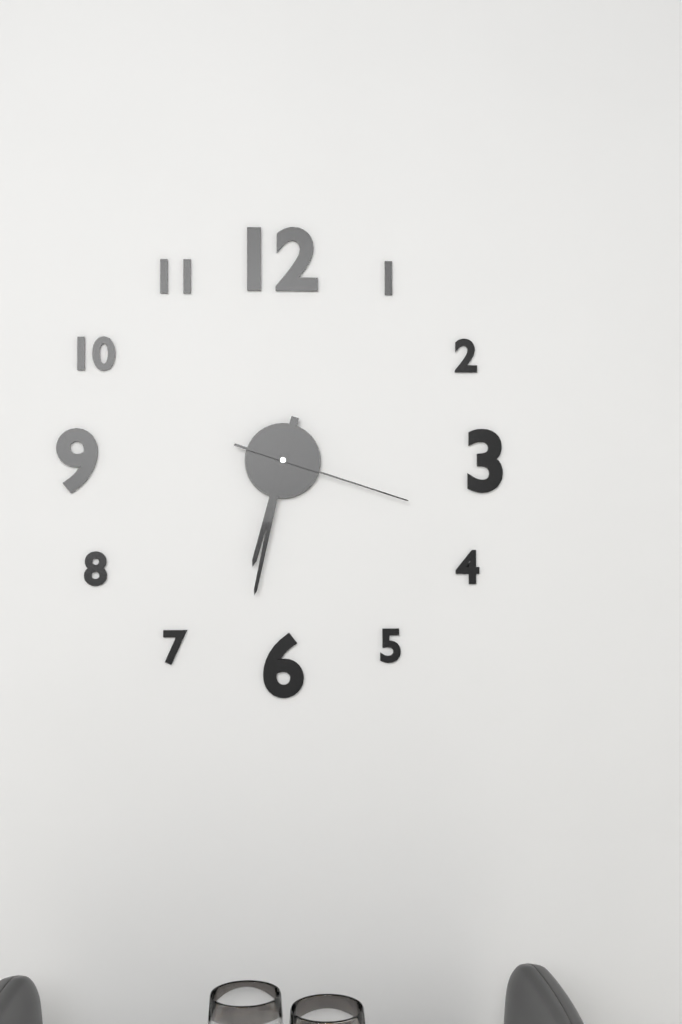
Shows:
6h32m18s
